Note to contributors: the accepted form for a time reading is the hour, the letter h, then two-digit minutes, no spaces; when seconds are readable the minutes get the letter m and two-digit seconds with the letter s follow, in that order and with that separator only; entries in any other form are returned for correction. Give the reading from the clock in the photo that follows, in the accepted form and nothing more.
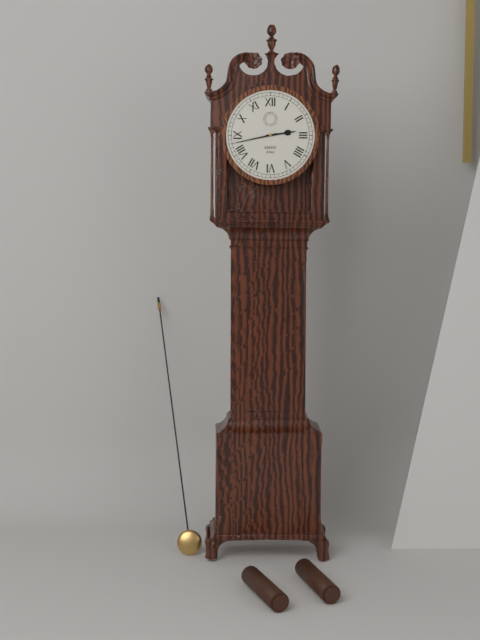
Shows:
2h43
